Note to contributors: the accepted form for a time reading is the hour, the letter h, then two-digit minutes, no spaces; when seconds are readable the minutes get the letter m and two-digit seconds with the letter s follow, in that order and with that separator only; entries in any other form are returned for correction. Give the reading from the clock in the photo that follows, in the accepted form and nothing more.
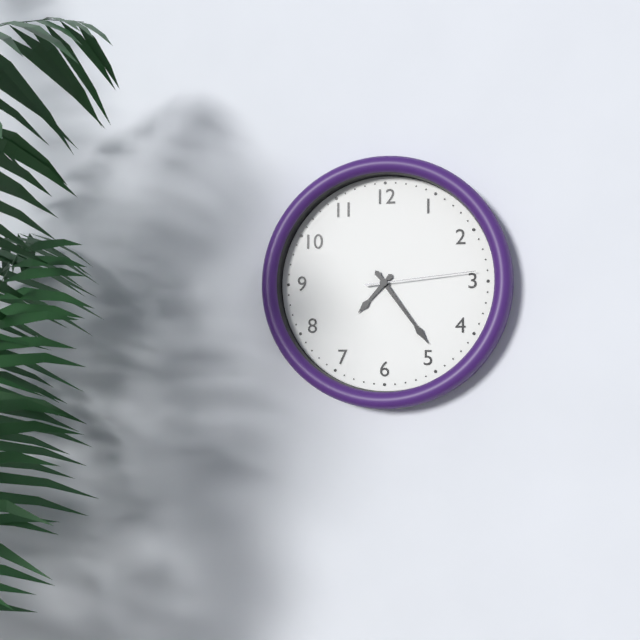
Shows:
7h24m14s
